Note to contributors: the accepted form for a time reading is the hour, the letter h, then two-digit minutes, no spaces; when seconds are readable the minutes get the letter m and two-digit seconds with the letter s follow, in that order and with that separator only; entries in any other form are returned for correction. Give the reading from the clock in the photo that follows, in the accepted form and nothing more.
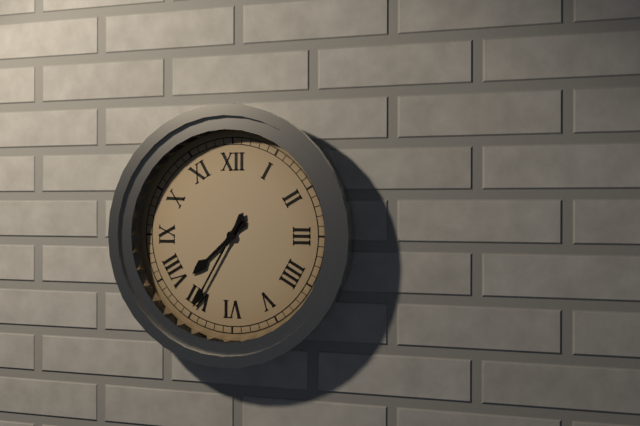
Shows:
7h35
